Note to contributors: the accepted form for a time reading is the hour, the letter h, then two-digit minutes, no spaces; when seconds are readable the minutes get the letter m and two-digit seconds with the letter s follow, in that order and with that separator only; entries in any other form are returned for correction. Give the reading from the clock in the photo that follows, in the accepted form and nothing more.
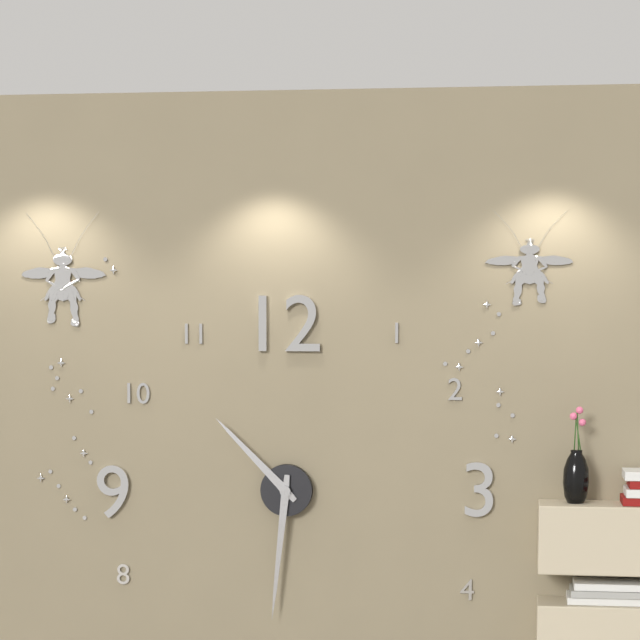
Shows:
10h31
